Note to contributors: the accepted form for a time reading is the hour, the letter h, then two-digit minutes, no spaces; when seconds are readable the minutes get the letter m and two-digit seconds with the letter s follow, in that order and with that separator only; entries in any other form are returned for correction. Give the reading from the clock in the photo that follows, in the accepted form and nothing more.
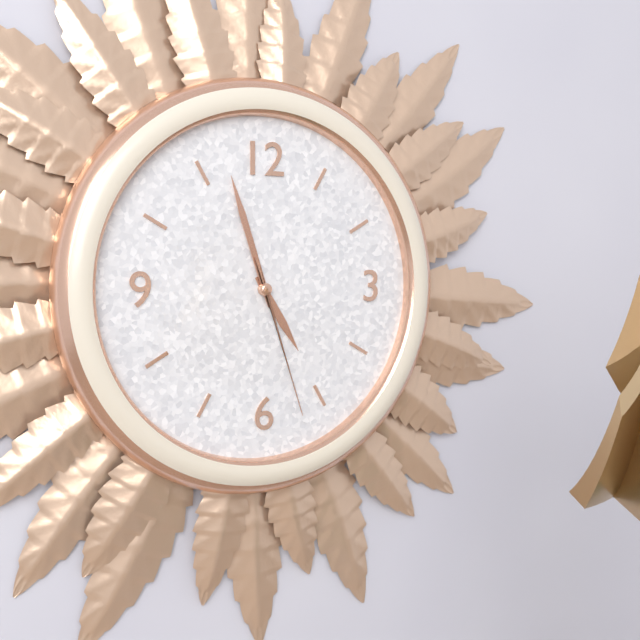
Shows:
4h57m27s
